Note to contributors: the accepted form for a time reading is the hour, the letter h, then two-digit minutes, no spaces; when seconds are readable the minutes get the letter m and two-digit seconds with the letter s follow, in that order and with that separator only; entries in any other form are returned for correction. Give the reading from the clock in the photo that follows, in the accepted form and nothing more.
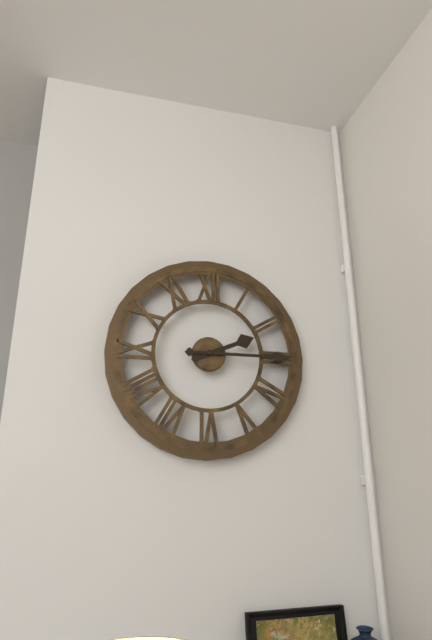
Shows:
2h15
